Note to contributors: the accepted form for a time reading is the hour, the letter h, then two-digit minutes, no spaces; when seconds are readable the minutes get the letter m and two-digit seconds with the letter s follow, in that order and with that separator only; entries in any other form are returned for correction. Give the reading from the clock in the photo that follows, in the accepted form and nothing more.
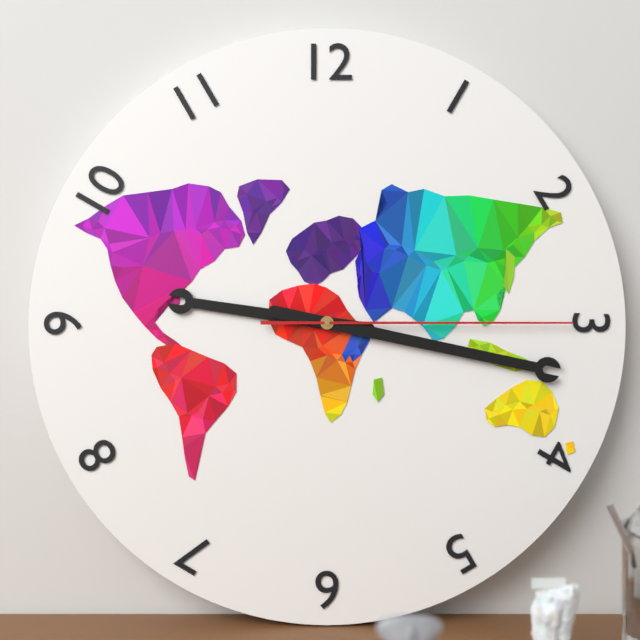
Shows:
9h17m15s
